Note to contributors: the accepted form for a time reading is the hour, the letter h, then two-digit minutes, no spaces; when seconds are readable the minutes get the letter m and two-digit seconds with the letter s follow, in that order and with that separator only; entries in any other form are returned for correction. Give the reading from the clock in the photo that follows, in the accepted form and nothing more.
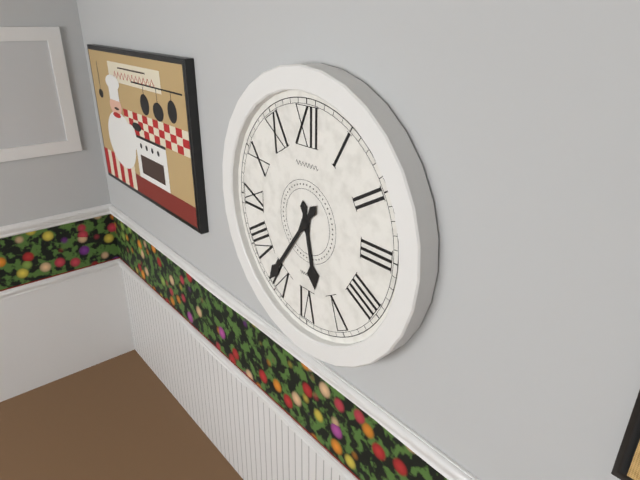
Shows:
5h36
